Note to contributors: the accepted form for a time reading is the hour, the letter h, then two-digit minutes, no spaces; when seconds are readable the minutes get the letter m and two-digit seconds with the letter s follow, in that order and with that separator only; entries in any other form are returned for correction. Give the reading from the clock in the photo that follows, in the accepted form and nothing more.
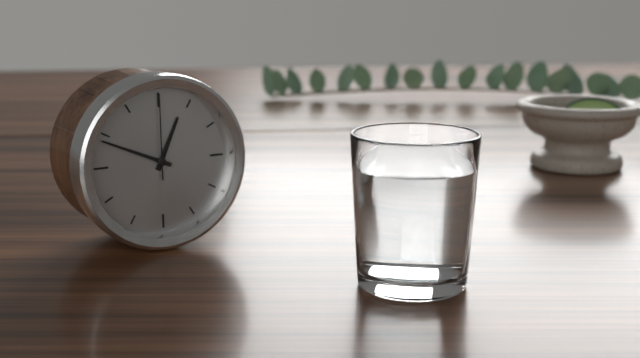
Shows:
12h49m00s
